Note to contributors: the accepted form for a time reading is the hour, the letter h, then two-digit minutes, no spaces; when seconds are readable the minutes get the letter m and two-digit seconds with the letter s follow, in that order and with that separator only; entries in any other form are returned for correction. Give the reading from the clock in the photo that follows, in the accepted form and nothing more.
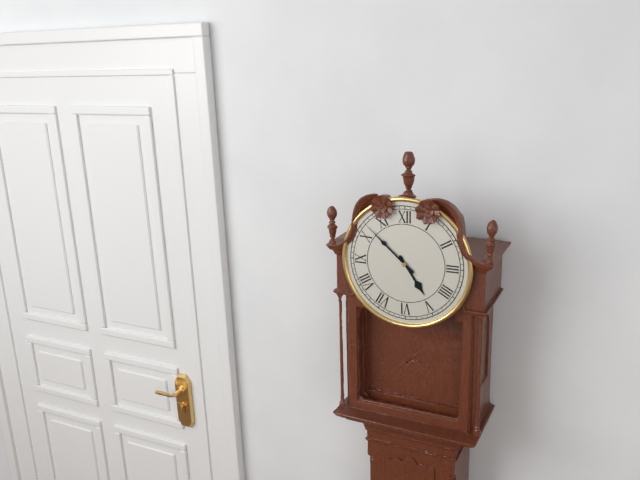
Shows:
4h52
